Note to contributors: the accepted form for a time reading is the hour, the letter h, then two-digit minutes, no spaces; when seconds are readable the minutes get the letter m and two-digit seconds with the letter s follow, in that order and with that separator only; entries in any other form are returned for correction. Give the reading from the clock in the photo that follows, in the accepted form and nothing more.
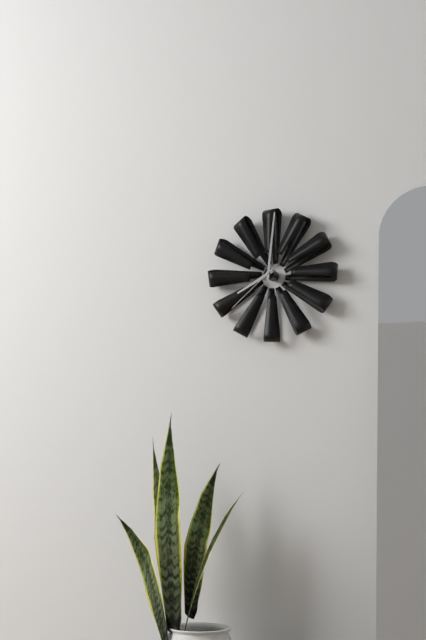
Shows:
8h01m38s
